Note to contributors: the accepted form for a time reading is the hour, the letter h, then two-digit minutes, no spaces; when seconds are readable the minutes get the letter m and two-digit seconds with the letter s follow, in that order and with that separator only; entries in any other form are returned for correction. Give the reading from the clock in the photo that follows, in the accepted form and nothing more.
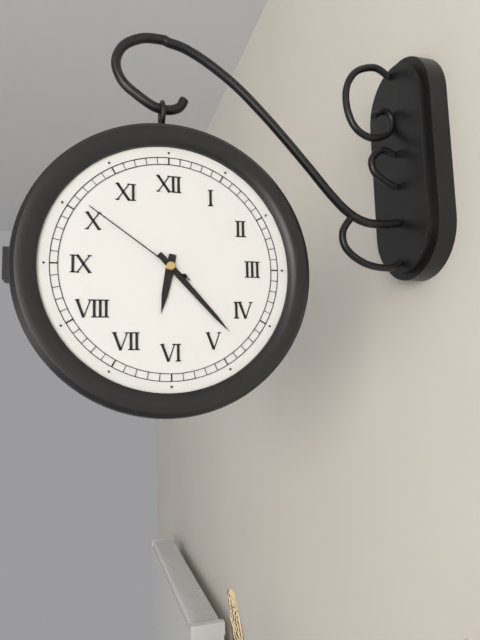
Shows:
6h23m51s
